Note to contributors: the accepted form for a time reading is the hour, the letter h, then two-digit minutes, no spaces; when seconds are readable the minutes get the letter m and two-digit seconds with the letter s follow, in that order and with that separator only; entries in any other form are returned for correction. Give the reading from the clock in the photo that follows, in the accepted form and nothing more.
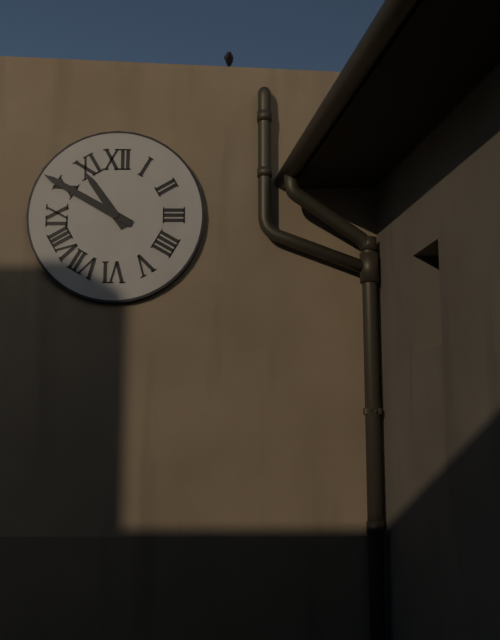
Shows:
10h50
